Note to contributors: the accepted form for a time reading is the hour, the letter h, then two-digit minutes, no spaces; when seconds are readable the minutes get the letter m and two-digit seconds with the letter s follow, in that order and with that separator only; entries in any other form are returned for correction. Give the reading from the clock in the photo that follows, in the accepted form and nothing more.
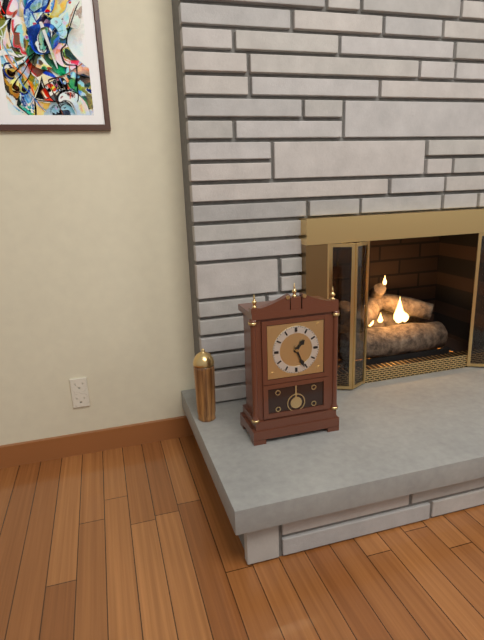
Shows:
1h26
